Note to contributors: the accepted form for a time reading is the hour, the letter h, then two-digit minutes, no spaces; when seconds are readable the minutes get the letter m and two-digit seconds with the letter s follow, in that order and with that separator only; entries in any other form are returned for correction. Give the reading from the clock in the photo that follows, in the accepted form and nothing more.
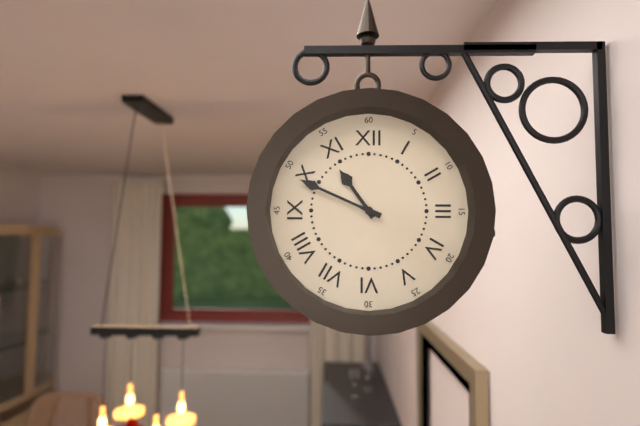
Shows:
10h49
